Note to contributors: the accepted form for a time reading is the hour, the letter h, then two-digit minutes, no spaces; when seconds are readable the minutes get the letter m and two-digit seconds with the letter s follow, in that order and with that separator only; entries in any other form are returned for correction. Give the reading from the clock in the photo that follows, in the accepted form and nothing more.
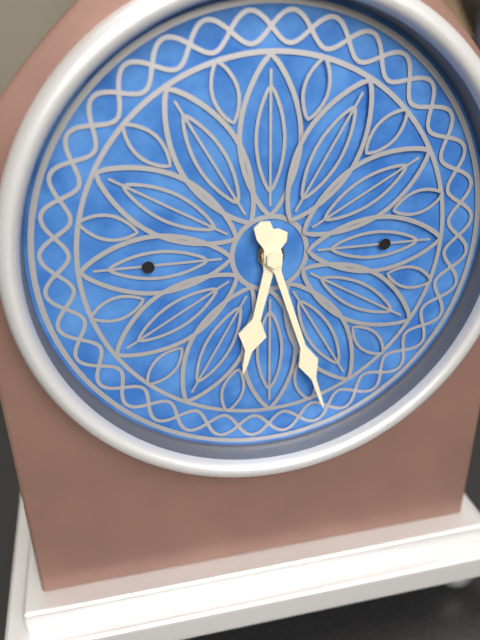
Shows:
6h27
